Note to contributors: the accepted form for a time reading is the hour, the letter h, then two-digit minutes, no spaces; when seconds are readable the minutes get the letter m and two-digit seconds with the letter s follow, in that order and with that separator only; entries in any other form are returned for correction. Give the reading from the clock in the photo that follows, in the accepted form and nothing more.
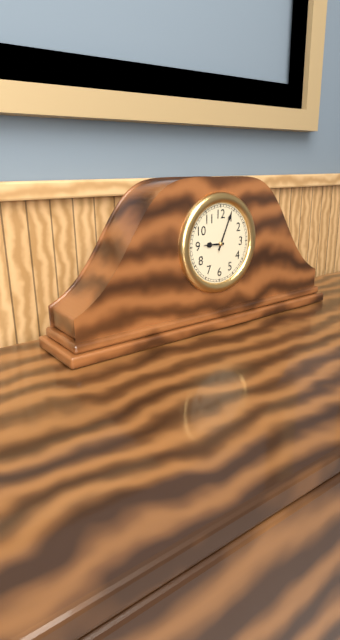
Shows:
9h04
